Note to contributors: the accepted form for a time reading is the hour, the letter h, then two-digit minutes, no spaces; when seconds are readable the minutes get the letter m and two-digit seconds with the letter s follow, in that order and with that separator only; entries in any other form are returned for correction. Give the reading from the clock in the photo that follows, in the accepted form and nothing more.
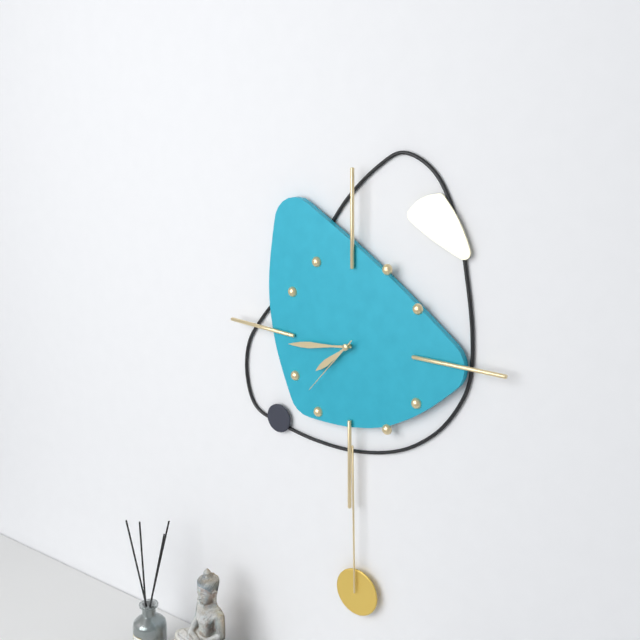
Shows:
7h44m37s
